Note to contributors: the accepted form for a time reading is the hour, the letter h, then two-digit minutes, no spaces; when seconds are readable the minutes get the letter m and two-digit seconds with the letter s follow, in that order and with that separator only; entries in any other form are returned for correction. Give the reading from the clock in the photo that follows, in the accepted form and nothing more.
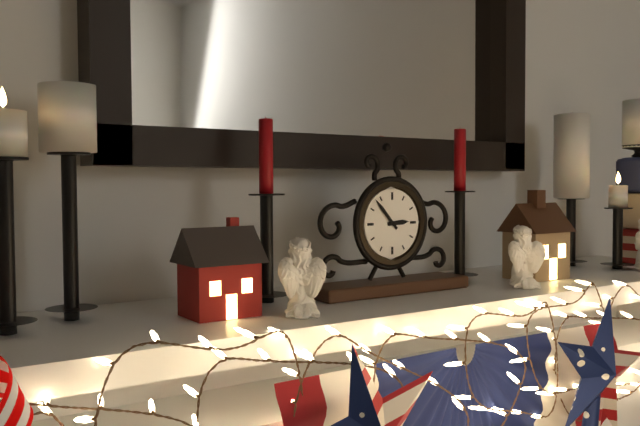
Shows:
2h53
